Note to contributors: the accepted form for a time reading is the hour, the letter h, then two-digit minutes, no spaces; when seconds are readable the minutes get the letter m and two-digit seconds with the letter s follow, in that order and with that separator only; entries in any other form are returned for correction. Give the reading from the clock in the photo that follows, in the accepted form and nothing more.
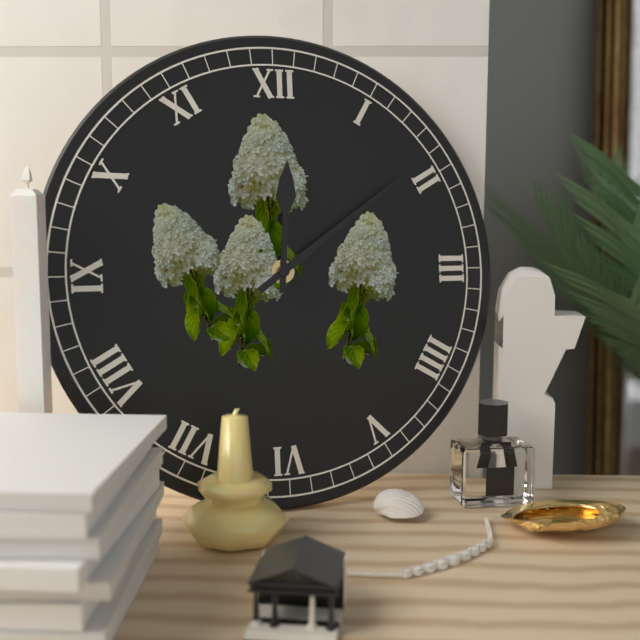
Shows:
12h09
